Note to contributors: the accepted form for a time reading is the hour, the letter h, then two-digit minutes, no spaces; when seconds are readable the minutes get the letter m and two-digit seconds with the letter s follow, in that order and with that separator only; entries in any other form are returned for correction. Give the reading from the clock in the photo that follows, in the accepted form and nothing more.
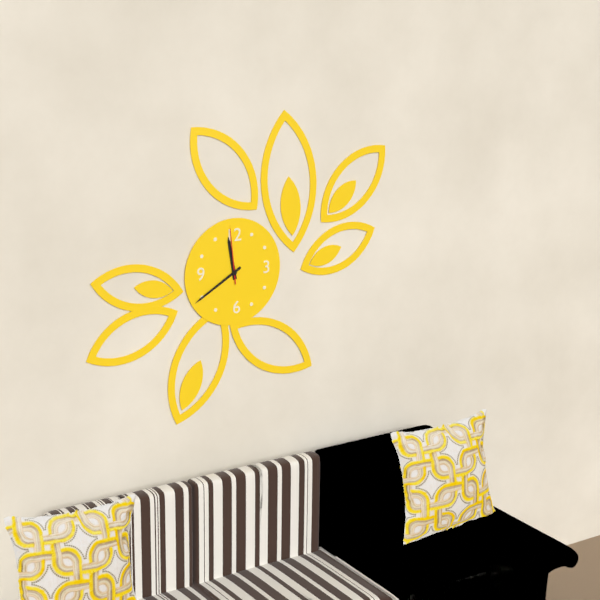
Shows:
11h40m59s
